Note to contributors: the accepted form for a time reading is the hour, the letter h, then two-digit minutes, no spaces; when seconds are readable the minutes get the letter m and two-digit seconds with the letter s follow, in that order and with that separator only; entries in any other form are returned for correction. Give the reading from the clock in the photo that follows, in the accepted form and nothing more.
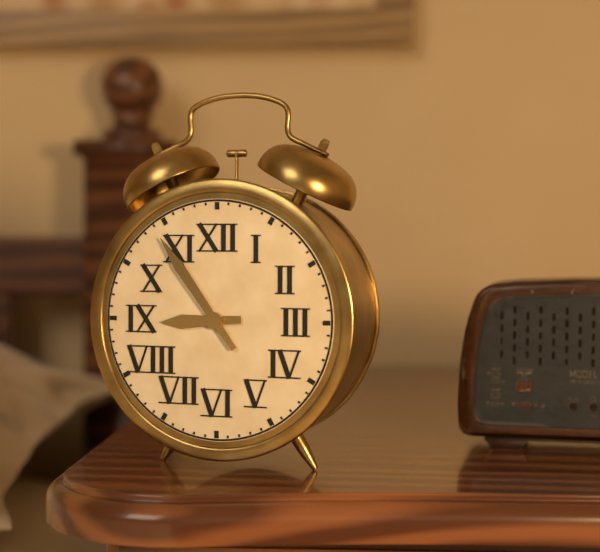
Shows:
8h54
